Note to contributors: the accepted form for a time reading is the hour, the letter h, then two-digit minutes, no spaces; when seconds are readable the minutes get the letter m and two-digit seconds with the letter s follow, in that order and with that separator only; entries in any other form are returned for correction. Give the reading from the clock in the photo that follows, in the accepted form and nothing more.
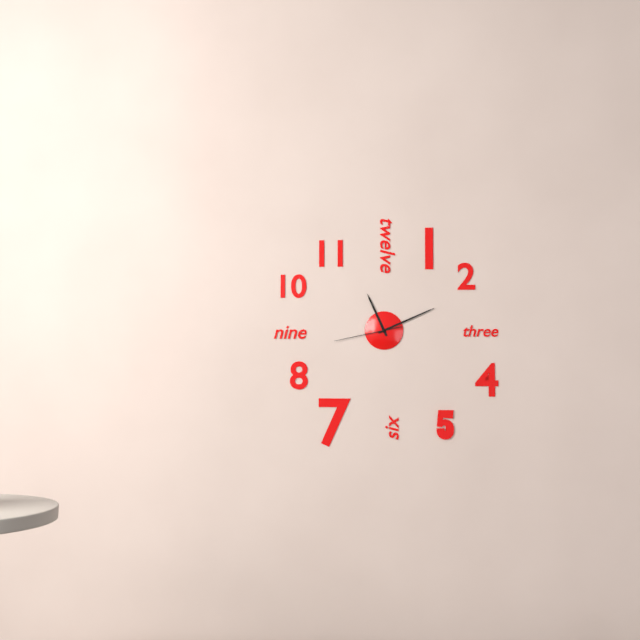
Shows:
11h11m43s
